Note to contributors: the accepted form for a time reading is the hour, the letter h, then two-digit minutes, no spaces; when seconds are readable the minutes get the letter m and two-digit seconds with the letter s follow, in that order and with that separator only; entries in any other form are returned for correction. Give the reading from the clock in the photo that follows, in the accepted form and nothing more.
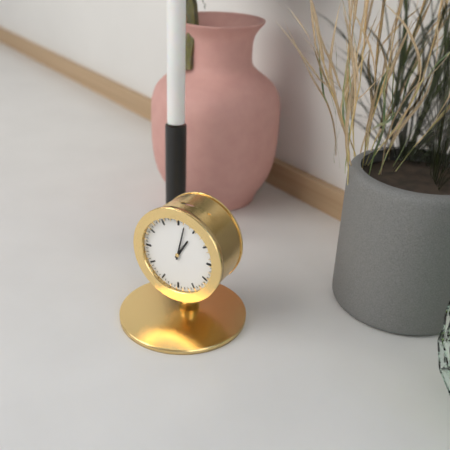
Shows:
1h02
